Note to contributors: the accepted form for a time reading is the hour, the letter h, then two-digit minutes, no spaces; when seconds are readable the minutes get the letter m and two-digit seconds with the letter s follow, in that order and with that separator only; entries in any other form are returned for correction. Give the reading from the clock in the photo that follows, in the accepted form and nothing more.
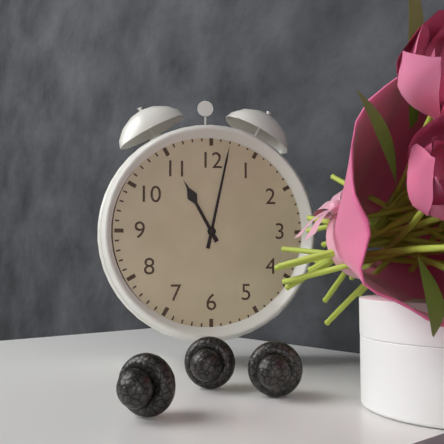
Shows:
11h02
